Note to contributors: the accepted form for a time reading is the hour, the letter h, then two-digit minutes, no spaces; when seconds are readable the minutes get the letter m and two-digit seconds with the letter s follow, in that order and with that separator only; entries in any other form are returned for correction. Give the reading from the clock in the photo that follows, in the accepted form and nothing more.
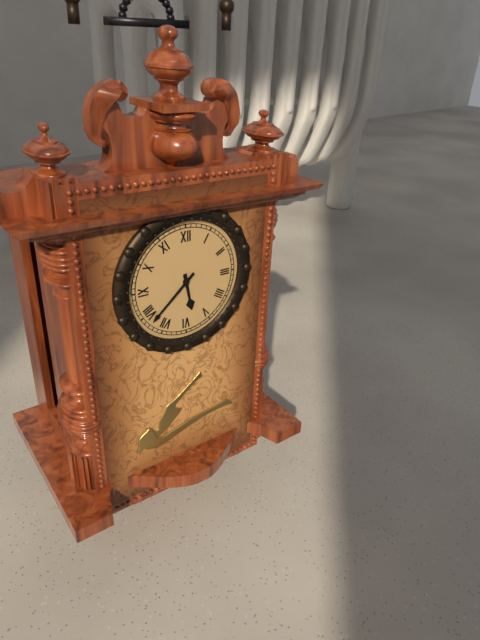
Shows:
5h38
